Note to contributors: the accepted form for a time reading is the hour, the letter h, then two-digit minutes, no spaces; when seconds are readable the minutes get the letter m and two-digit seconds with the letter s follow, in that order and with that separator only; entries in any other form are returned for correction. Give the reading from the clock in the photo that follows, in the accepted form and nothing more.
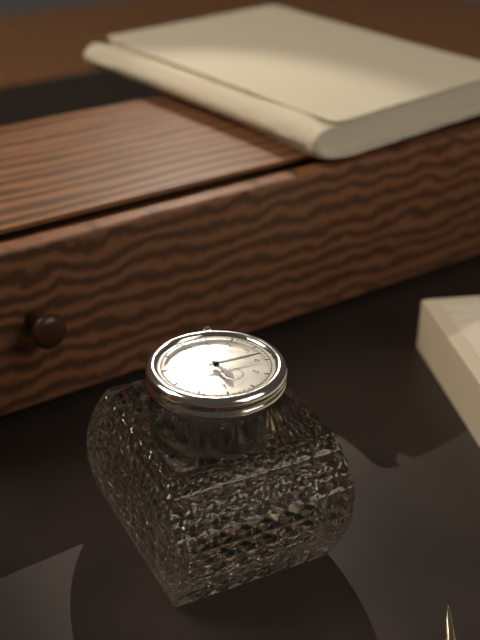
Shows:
6h18
